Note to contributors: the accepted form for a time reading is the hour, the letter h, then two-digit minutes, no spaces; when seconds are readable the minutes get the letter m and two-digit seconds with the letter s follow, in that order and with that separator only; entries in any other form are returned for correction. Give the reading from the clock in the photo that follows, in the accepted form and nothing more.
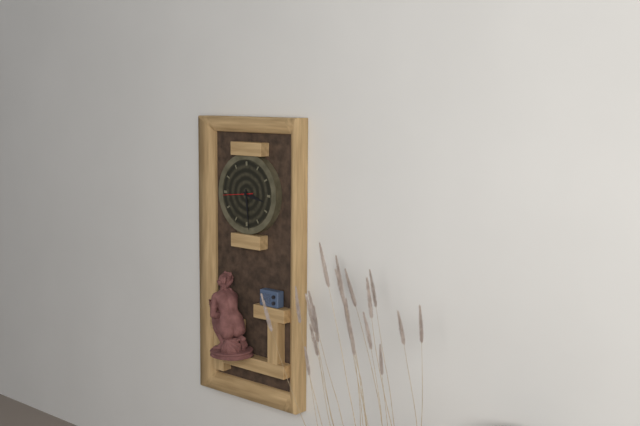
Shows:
3h29
